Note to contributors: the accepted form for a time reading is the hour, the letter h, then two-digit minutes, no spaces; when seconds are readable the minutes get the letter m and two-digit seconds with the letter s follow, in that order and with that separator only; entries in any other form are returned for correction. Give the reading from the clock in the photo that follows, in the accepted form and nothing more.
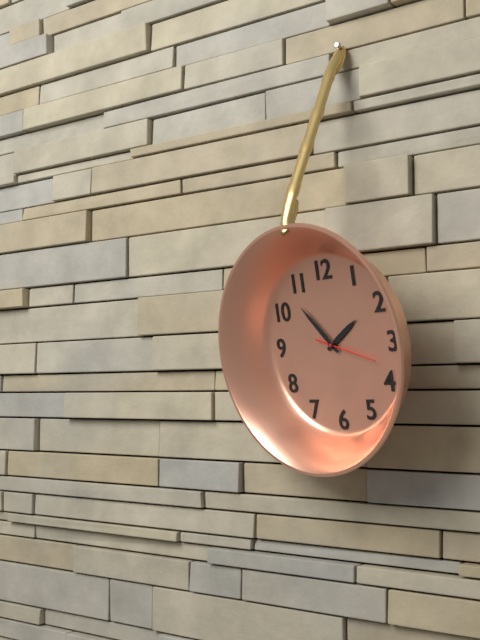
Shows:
1h53m18s
